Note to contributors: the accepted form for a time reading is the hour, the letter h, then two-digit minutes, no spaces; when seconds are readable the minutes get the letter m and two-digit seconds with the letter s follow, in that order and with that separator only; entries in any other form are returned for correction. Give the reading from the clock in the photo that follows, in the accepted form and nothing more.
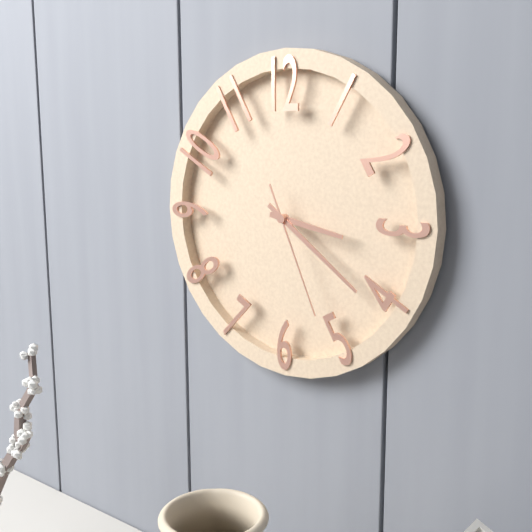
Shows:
3h21m26s
